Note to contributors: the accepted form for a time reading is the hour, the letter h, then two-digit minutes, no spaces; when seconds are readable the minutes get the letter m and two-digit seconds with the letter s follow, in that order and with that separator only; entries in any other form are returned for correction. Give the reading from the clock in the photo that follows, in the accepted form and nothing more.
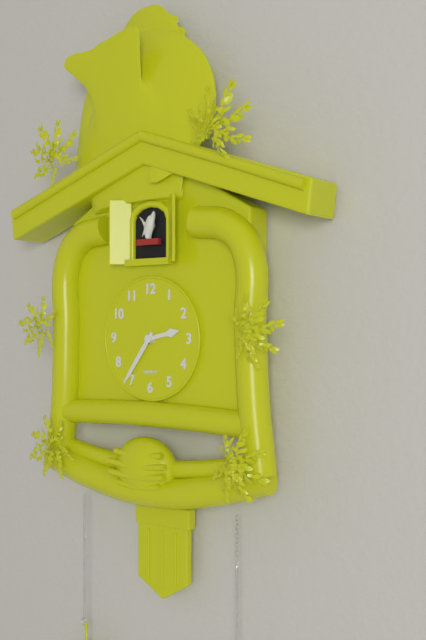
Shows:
2h36
